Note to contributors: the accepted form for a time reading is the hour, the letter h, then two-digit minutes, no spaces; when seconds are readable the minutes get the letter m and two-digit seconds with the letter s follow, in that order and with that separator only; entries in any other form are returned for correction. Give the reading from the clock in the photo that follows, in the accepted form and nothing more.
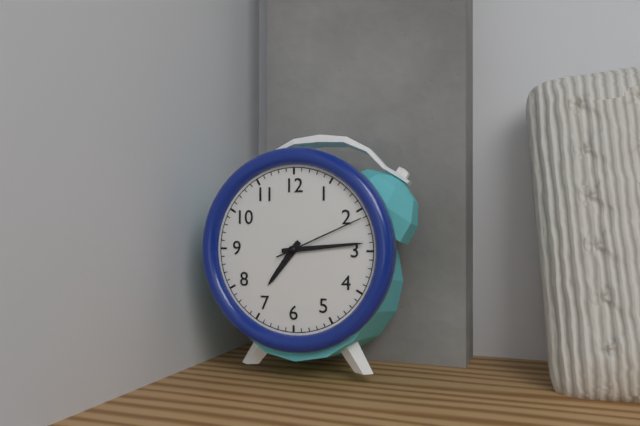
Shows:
7h14m11s
